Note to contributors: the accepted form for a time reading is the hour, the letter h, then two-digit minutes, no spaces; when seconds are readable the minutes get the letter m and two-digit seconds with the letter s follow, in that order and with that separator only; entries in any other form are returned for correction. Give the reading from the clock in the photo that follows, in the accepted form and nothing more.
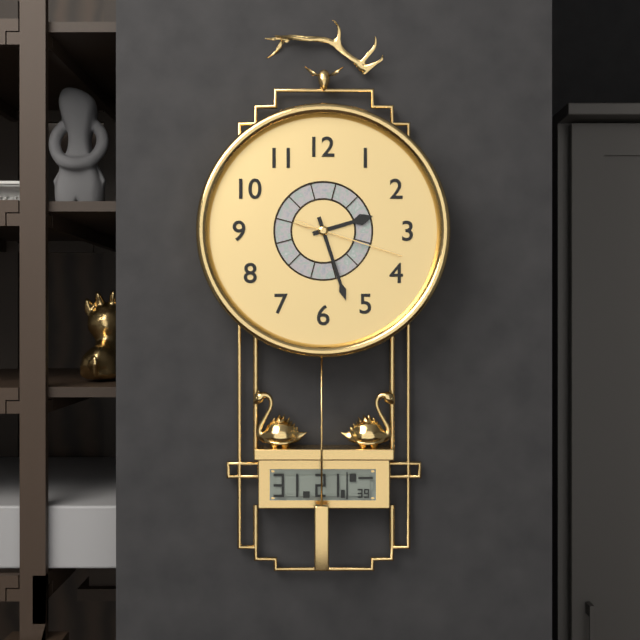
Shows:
2h27m18s
